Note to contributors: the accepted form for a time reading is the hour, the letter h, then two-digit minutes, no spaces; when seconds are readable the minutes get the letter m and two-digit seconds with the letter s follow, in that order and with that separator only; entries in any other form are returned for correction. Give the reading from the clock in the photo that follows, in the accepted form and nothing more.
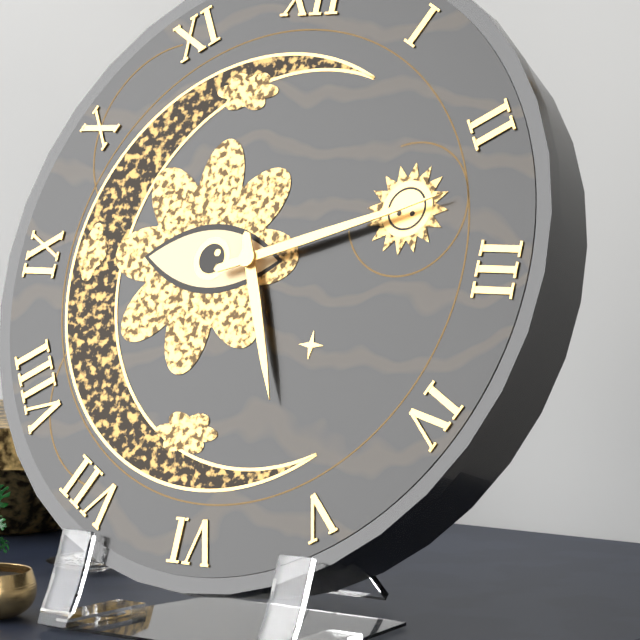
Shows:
5h12
